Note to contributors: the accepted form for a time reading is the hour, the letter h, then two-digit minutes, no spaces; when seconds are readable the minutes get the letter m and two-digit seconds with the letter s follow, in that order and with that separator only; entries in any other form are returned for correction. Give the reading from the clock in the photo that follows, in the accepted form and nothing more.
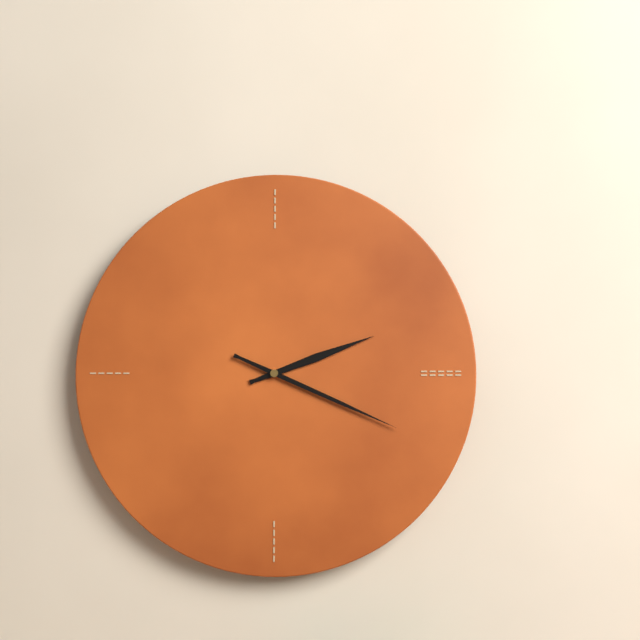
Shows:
2h19
